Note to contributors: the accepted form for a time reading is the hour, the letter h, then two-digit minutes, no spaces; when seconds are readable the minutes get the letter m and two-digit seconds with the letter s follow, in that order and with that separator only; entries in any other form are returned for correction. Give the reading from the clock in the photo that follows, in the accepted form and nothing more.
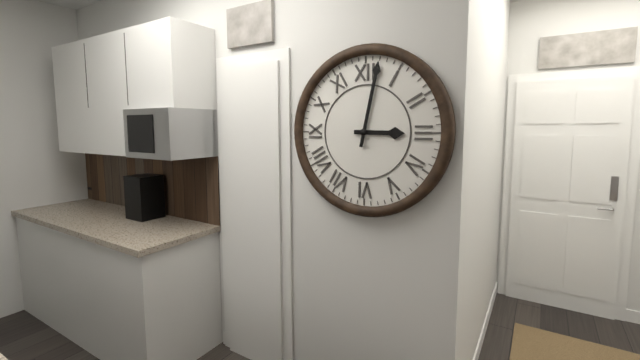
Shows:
3h02
